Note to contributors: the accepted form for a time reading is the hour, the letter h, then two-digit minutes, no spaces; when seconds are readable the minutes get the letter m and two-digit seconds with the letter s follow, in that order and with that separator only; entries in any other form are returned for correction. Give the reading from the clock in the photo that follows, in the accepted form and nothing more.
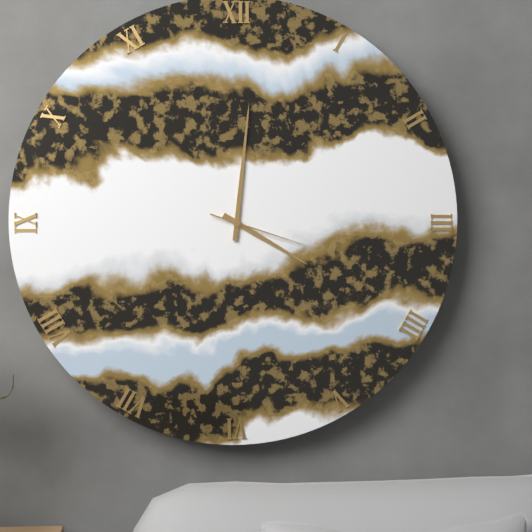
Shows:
4h01m18s
